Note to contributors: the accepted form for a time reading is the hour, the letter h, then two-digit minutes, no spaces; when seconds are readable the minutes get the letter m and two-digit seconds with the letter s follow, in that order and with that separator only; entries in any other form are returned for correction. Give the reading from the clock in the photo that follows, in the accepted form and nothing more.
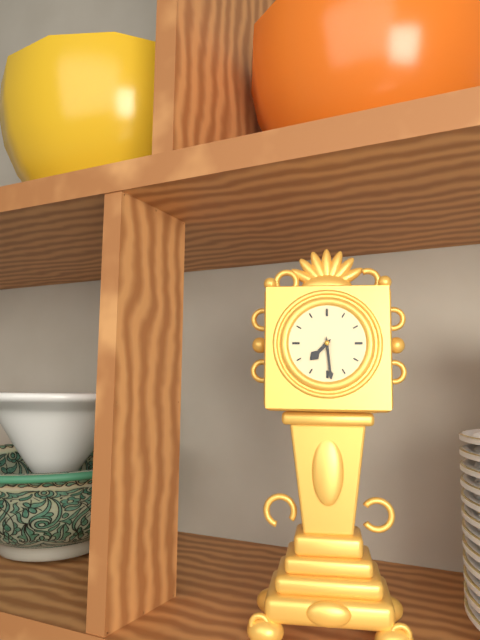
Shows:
7h29
